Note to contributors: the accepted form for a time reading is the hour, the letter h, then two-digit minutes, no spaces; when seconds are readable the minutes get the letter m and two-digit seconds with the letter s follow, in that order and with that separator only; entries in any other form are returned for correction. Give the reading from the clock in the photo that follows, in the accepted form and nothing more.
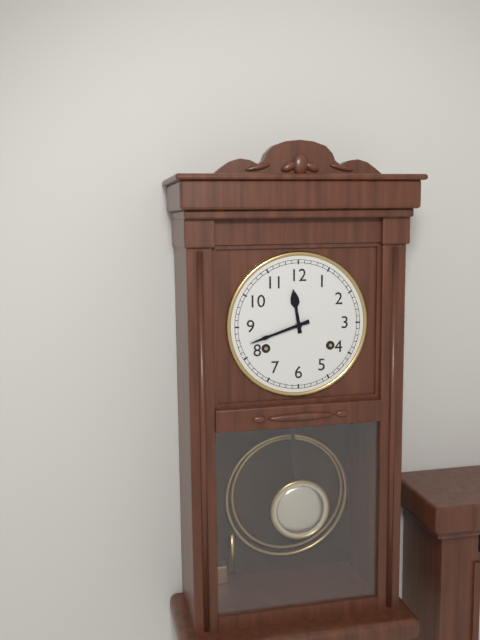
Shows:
11h42
